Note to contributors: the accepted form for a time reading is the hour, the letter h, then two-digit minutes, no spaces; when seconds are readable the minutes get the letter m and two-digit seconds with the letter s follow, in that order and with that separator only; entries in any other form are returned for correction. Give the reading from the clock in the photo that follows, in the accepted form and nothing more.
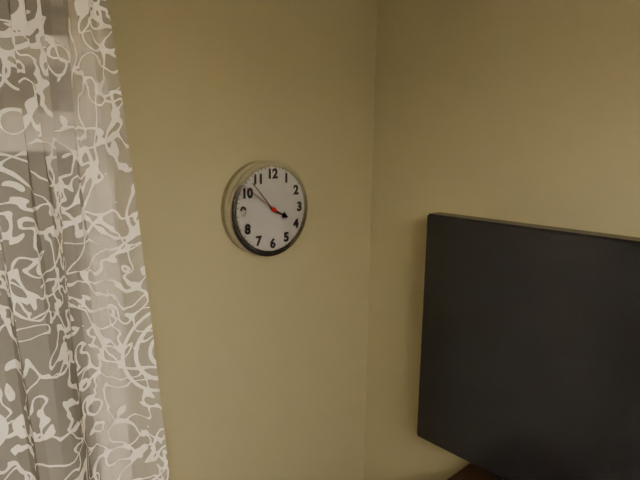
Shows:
3h53
